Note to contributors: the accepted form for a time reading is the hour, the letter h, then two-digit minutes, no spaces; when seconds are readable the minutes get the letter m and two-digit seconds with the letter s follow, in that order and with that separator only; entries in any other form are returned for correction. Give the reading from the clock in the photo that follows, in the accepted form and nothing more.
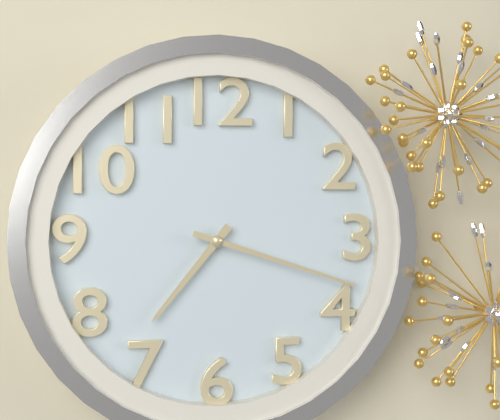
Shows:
7h18
